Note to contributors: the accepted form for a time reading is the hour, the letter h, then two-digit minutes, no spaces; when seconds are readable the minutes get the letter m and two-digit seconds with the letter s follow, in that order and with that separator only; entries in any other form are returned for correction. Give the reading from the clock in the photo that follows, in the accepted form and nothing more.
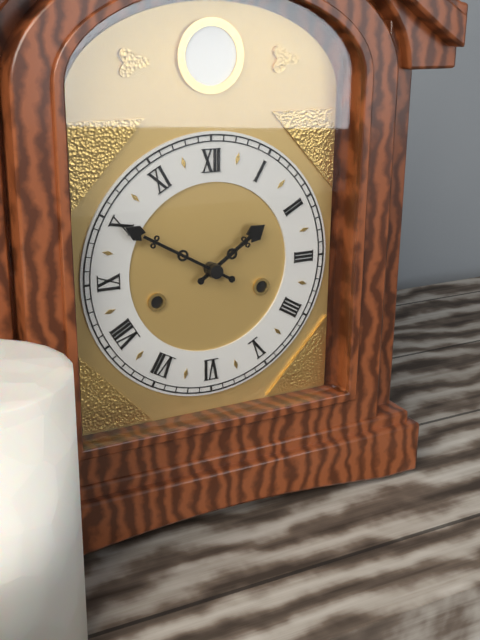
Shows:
1h50
